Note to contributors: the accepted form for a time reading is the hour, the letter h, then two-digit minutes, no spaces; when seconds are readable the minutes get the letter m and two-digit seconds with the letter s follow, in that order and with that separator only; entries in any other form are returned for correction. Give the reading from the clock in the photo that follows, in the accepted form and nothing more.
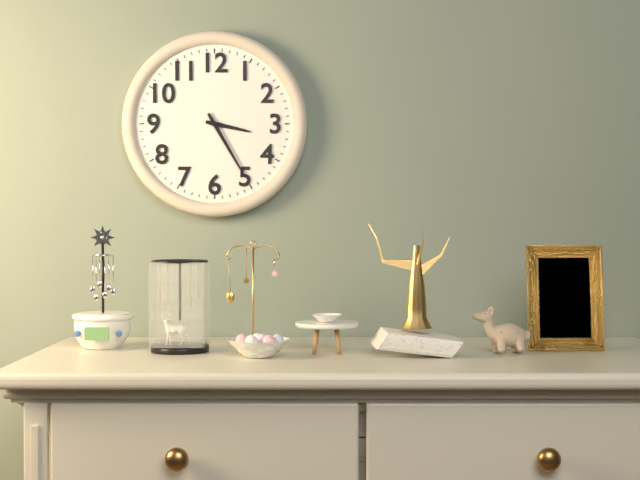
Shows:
3h25
